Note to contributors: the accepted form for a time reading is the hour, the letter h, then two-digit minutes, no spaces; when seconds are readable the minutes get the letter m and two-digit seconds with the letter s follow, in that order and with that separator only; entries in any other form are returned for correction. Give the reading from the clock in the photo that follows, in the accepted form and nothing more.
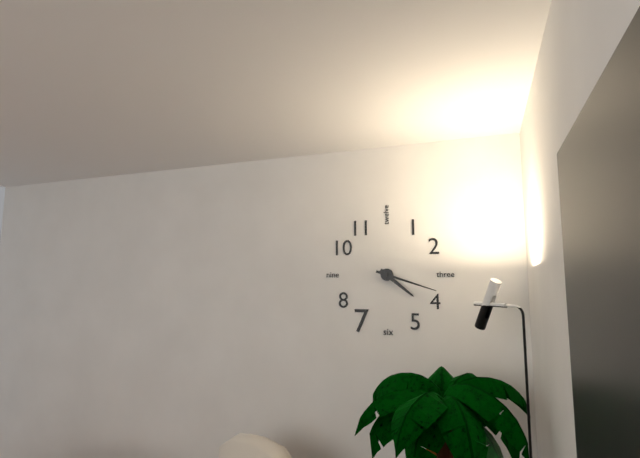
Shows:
4h18
